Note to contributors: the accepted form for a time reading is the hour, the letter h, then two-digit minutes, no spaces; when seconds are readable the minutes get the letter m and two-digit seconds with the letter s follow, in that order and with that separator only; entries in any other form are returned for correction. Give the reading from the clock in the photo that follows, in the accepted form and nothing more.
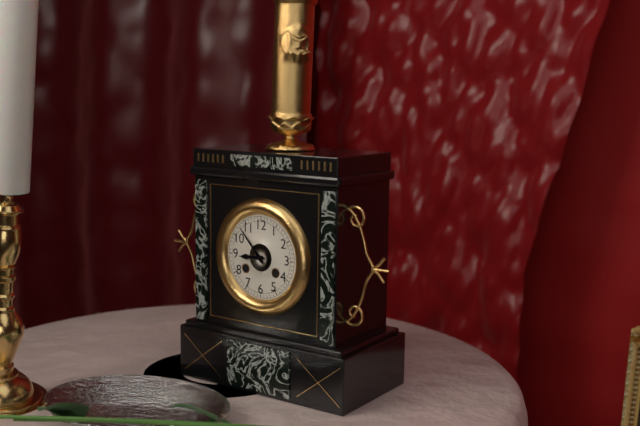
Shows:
8h53
